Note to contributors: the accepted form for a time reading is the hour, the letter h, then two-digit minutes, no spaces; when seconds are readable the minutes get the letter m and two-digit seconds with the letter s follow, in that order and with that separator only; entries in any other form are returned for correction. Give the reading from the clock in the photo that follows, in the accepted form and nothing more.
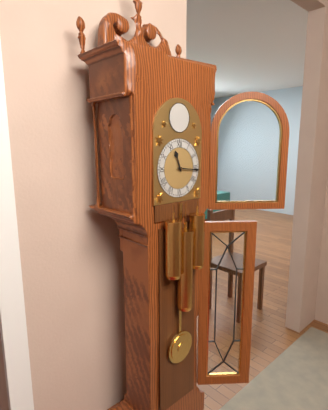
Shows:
11h16
